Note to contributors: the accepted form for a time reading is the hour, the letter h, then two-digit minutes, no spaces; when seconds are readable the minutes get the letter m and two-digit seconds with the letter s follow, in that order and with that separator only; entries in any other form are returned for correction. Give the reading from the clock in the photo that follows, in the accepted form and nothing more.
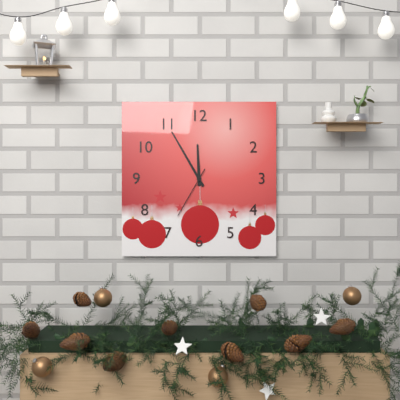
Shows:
11h55m35s
